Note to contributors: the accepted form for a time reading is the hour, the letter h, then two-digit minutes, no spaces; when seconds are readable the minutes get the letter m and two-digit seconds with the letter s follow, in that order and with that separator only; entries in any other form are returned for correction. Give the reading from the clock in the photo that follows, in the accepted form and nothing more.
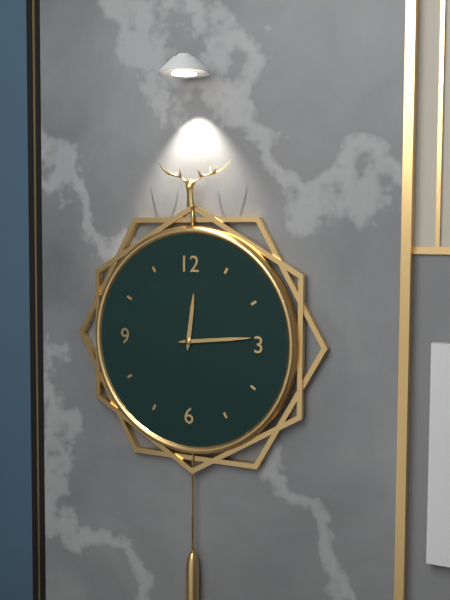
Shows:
12h14
